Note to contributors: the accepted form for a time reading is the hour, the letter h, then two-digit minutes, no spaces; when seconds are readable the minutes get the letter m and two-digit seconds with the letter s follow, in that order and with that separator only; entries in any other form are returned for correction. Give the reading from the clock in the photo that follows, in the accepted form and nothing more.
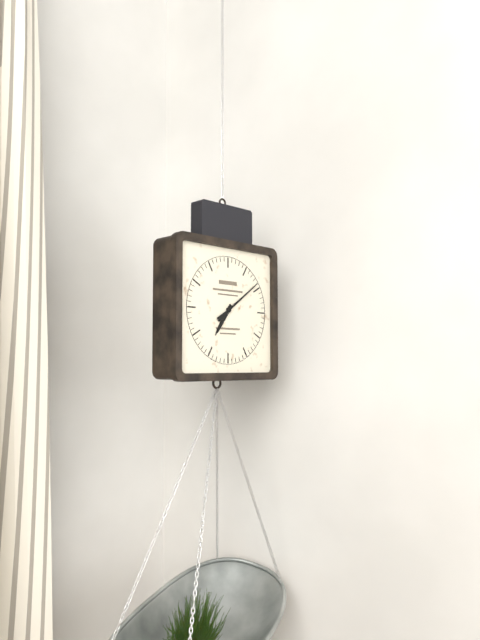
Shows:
7h09
